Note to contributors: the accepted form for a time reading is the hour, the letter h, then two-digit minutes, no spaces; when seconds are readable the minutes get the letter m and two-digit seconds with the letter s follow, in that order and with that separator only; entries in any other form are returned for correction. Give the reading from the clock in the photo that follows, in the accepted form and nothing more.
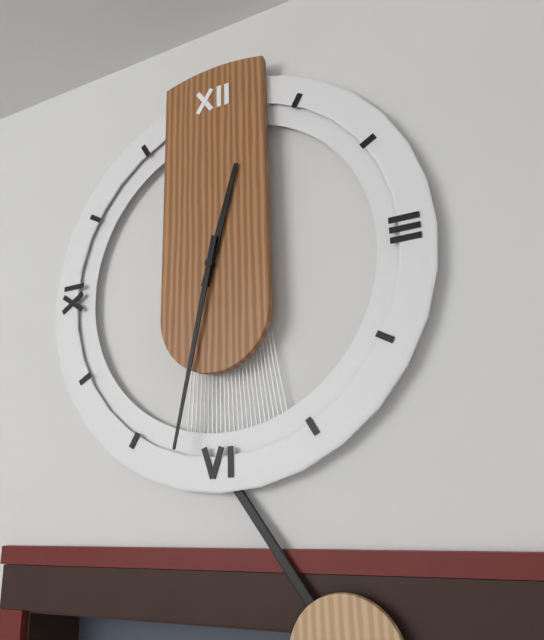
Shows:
12h32
